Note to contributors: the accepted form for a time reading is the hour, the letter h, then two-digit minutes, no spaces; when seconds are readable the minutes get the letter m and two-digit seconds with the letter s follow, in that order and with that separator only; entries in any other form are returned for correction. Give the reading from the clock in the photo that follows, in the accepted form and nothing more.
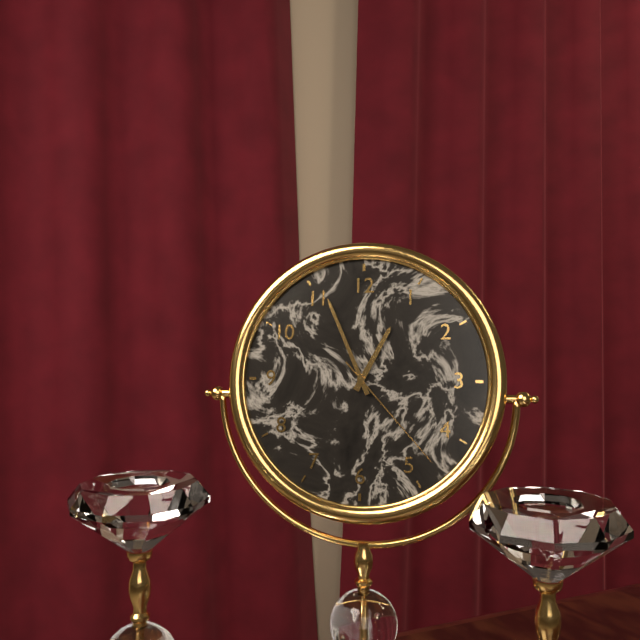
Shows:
12h56m23s
